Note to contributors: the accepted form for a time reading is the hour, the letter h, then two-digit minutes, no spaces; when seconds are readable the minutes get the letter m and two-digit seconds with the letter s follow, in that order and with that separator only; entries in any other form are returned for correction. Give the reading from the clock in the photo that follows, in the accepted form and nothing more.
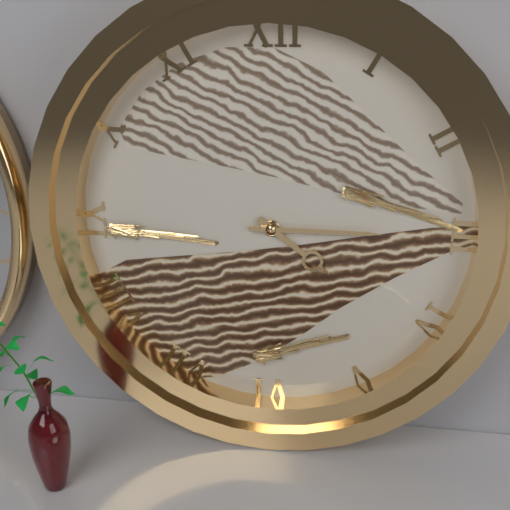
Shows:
4h15
